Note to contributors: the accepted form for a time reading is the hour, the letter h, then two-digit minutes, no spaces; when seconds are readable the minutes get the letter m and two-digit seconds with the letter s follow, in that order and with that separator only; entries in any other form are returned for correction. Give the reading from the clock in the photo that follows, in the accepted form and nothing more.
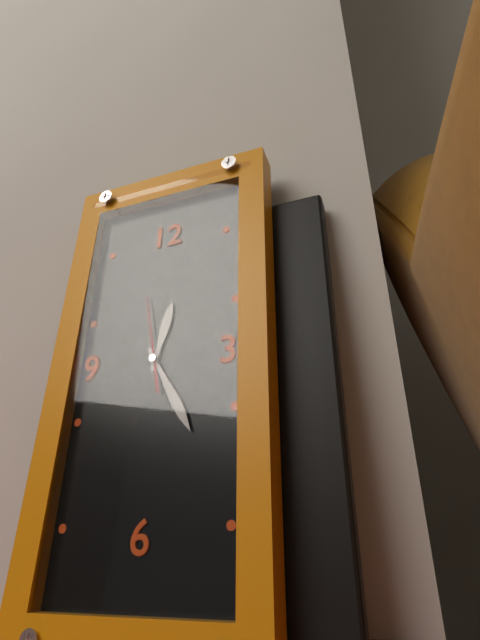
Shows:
12h25m58s
